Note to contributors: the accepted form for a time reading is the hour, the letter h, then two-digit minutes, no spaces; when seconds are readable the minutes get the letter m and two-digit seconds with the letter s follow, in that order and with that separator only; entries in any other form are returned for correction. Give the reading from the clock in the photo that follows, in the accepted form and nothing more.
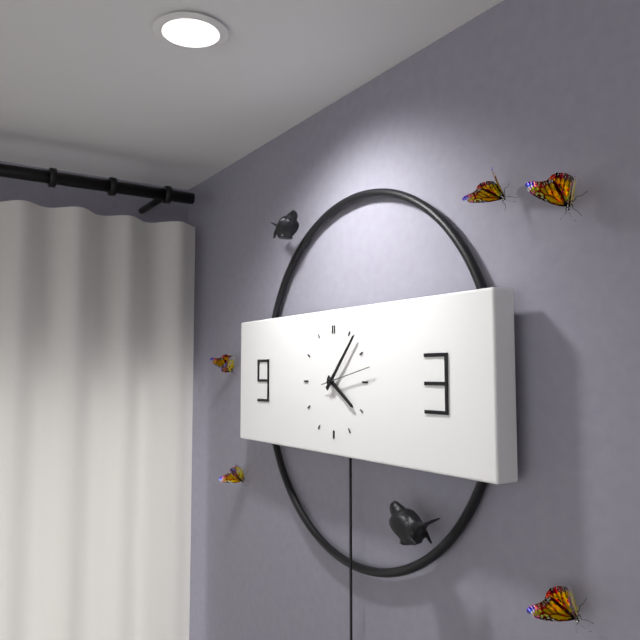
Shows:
4h07m13s
